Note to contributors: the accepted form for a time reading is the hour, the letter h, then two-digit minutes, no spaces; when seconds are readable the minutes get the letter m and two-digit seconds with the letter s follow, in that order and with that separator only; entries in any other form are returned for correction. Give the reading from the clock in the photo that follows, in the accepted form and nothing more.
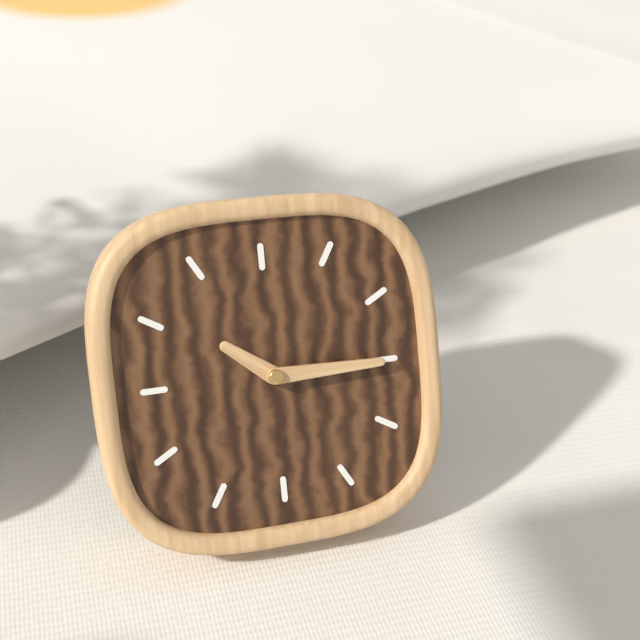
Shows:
10h15
